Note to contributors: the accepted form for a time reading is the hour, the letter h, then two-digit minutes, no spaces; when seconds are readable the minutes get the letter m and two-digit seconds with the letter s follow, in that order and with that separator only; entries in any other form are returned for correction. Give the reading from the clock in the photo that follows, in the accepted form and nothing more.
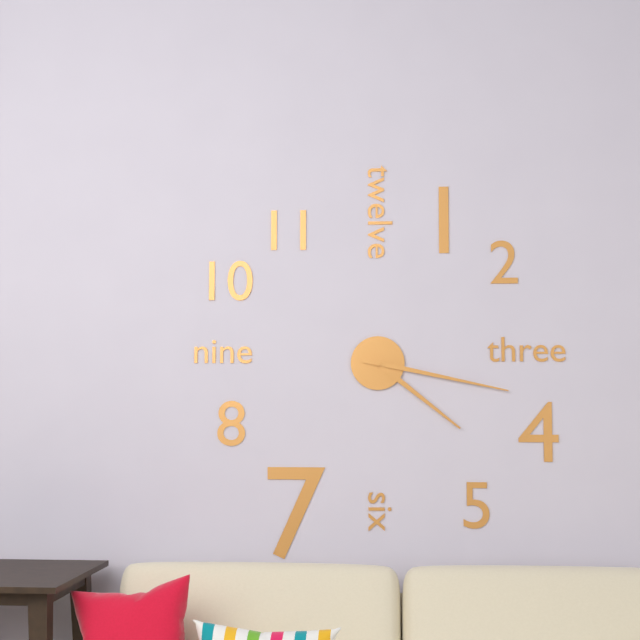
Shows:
4h17
